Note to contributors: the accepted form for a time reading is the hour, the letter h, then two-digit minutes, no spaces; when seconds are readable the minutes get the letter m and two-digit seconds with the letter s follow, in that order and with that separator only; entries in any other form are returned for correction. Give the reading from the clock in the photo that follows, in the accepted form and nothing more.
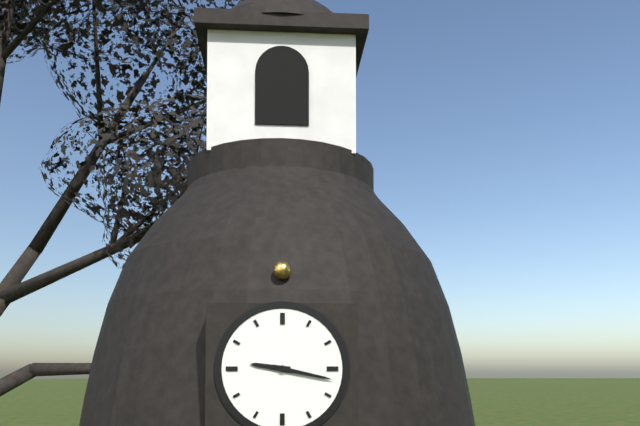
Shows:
9h17
